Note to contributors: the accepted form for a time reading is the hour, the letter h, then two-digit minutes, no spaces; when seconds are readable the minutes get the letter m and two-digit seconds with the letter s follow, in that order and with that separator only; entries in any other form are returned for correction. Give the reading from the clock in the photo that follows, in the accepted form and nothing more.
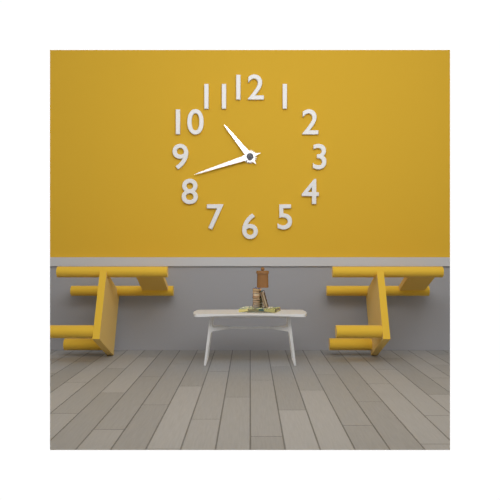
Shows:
10h42
